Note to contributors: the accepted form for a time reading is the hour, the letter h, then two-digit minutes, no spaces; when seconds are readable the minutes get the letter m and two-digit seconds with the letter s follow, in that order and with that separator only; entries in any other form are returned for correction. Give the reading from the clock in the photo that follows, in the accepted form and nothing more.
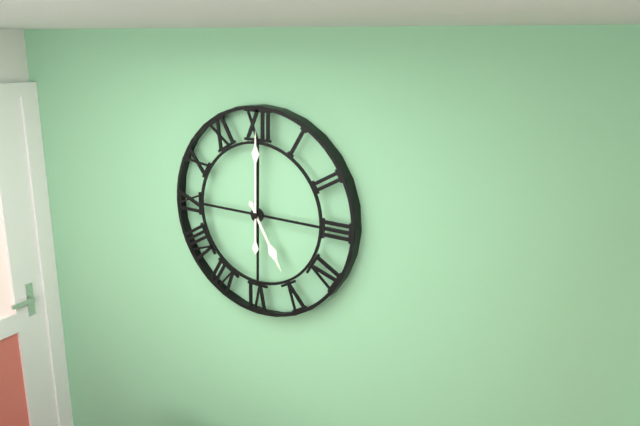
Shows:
5h00
